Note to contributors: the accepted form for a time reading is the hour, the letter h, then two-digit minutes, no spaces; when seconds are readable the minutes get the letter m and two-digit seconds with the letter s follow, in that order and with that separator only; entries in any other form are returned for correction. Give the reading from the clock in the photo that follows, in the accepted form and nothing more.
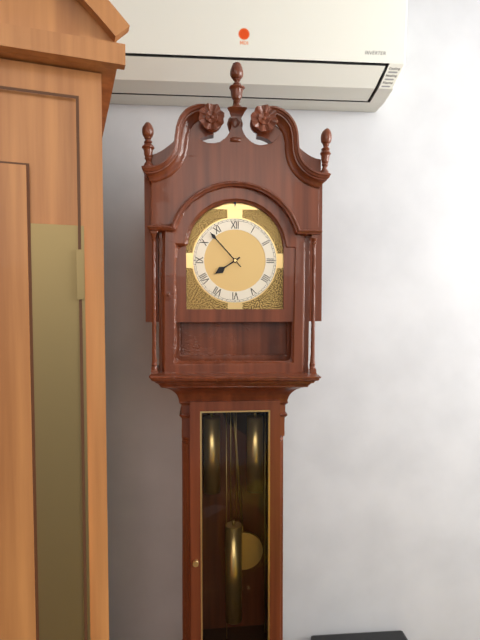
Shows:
7h53
